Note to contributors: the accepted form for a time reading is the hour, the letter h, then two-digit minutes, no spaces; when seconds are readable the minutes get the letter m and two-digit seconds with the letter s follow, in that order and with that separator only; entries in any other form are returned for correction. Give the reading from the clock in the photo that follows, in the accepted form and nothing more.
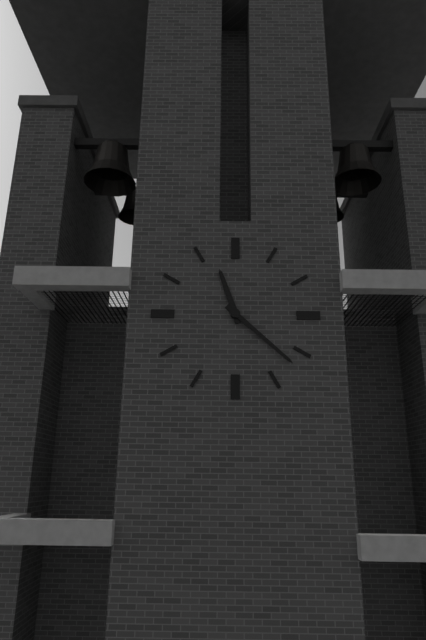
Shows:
11h22
